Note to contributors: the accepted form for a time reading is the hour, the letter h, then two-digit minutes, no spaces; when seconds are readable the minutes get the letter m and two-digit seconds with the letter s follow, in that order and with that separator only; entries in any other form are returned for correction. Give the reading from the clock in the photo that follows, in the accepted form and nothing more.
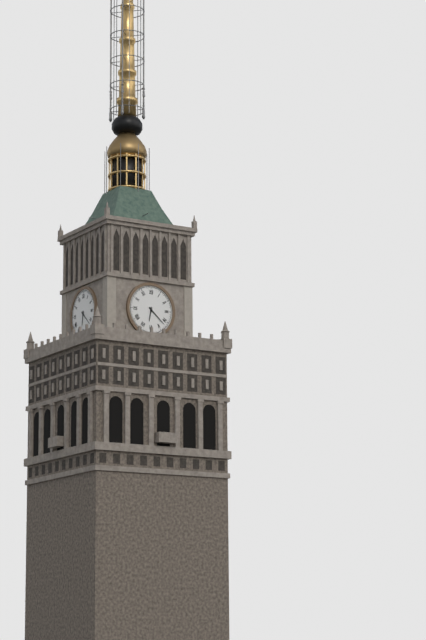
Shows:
6h22
